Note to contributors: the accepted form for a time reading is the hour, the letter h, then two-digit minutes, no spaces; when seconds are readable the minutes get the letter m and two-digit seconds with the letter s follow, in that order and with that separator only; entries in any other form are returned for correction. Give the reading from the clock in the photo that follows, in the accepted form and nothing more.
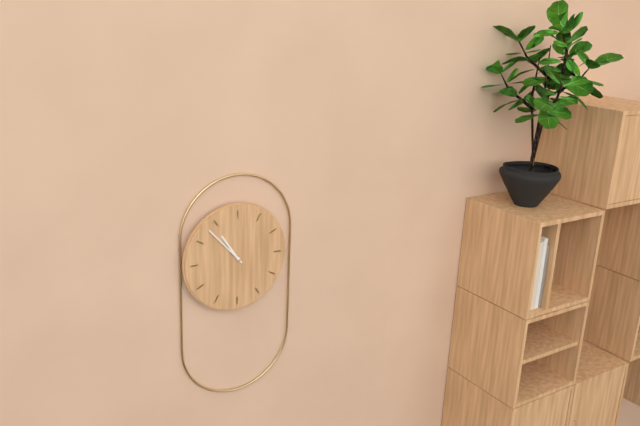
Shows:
10h53
